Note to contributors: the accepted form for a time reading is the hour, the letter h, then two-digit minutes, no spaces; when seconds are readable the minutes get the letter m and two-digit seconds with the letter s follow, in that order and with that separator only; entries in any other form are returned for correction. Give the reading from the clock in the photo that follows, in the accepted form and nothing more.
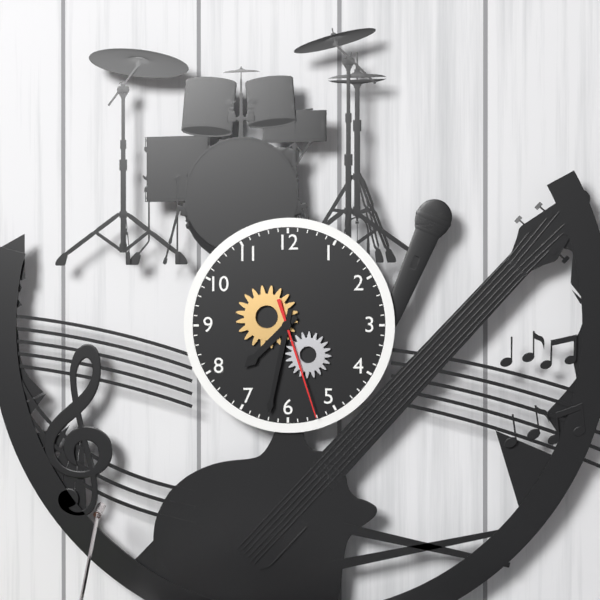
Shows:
7h32m27s
